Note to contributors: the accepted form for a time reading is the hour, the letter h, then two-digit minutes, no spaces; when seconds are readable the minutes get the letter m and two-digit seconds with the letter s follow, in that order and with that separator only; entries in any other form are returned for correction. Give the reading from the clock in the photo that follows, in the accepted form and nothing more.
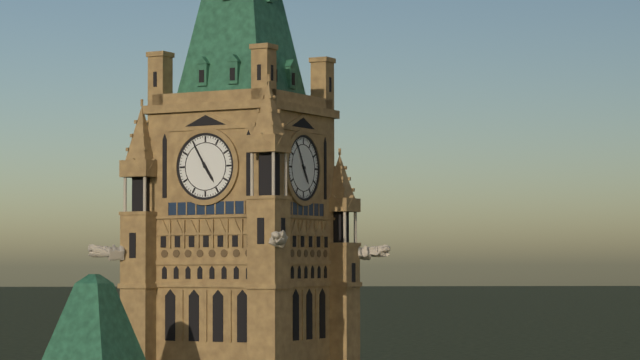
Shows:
4h55
